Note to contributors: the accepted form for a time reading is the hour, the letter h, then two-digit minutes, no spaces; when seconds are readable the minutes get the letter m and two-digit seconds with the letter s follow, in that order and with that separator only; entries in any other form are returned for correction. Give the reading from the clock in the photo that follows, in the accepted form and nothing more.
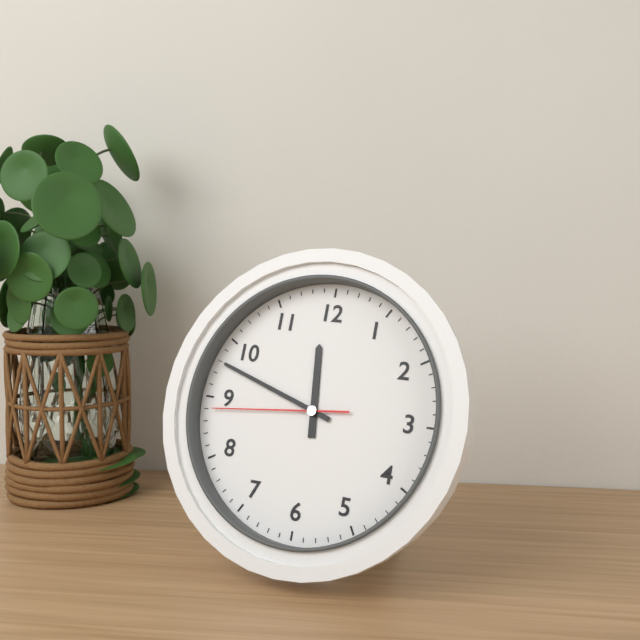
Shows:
11h48m44s
